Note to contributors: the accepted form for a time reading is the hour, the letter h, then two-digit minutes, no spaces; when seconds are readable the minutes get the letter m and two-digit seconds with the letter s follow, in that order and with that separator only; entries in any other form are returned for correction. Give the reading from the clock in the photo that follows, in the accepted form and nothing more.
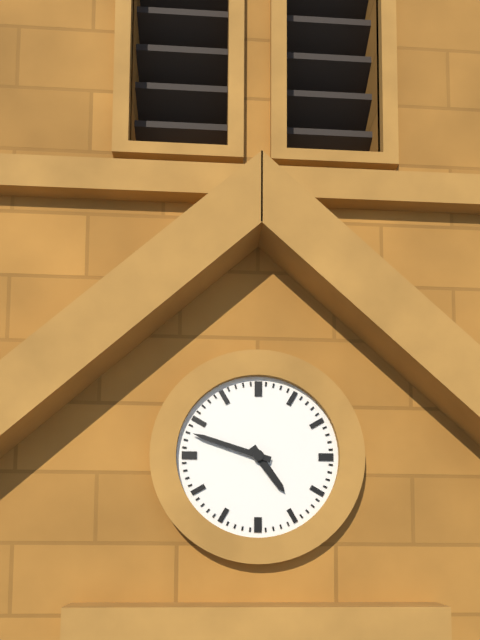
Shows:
4h48
